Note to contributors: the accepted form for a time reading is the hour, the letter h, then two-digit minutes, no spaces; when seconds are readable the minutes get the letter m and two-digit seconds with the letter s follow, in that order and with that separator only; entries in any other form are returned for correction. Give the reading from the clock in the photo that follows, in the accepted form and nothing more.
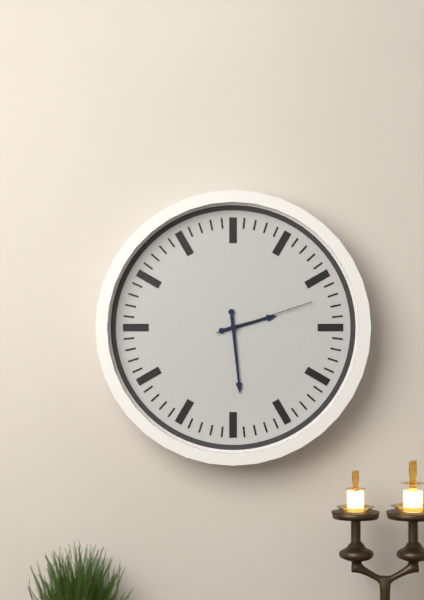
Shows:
2h29m12s
